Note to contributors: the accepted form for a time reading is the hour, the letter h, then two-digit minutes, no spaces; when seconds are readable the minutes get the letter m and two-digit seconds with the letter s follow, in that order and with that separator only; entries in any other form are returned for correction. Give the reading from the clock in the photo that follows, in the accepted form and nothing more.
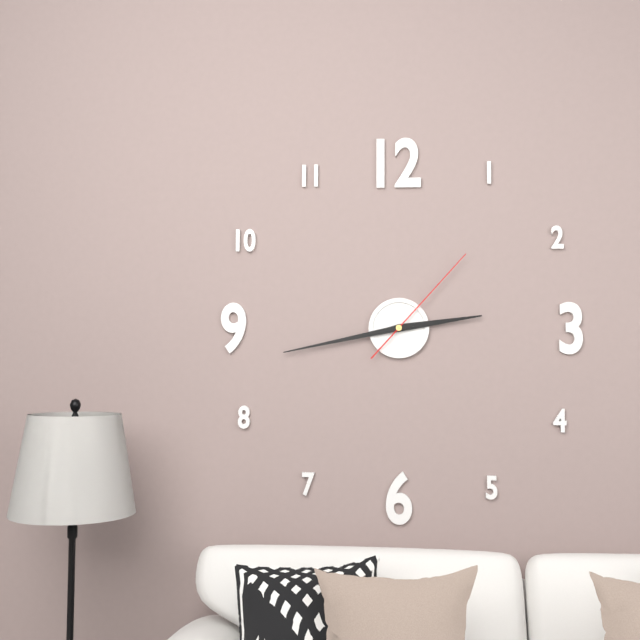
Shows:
2h43m07s
